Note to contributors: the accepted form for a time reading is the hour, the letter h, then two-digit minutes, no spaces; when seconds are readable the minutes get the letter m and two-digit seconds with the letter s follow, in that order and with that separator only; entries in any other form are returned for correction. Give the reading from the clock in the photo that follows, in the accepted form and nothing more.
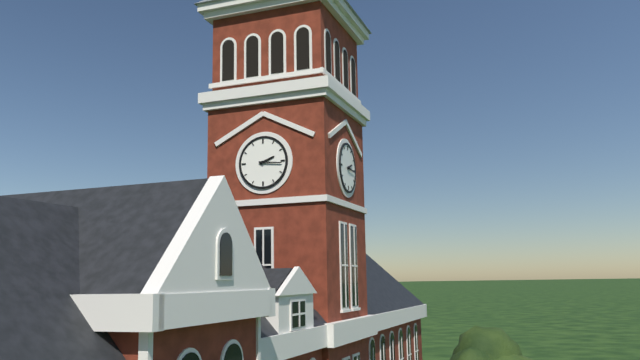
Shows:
2h16
